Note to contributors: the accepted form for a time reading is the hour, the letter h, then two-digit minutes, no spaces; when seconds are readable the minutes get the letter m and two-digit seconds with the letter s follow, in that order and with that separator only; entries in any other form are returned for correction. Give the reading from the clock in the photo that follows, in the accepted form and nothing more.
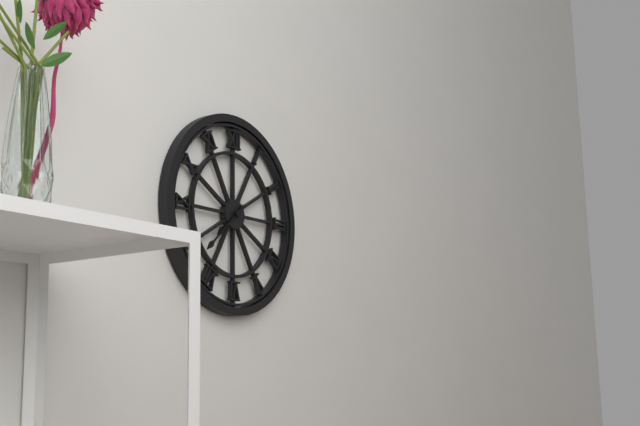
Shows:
7h38
